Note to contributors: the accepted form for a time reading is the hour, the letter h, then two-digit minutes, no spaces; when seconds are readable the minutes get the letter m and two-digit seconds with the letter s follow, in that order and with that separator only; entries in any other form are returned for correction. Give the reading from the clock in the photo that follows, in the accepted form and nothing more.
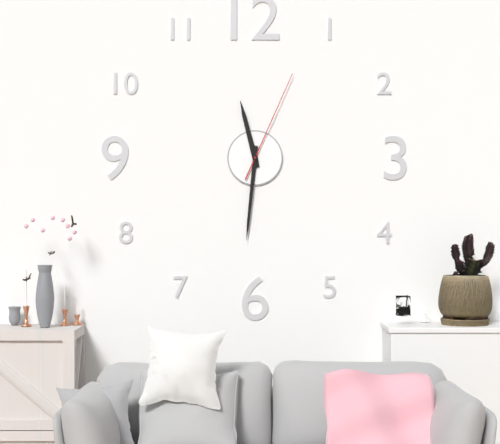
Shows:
11h31m04s
